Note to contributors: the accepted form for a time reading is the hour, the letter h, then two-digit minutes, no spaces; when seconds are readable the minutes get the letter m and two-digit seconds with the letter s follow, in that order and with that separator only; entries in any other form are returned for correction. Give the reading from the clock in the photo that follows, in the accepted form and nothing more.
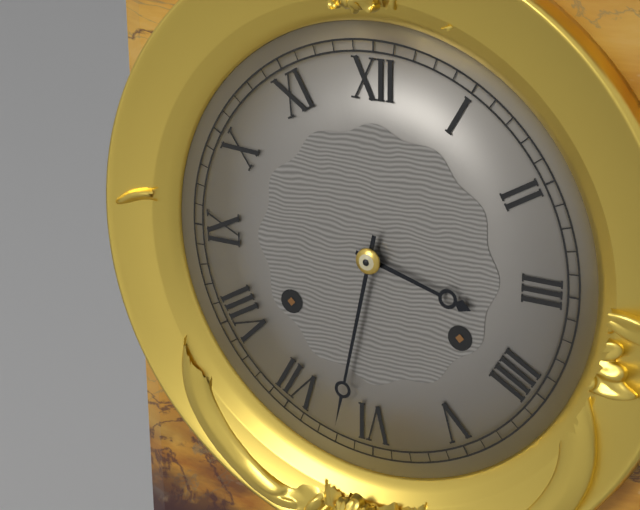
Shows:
3h32
